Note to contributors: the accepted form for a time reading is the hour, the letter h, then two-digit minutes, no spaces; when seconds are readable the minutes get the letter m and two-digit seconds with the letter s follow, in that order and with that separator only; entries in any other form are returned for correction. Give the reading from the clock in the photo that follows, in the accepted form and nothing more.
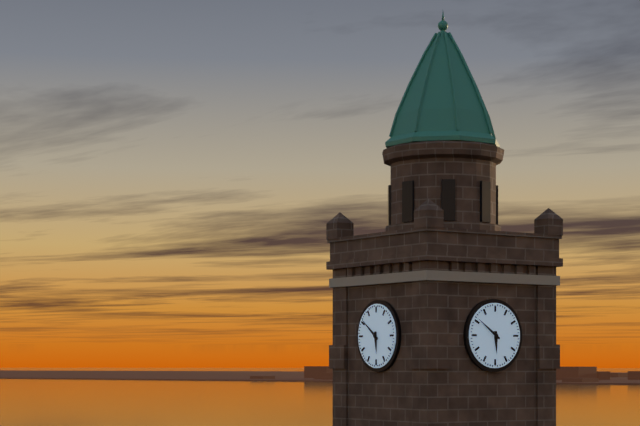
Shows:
5h51
